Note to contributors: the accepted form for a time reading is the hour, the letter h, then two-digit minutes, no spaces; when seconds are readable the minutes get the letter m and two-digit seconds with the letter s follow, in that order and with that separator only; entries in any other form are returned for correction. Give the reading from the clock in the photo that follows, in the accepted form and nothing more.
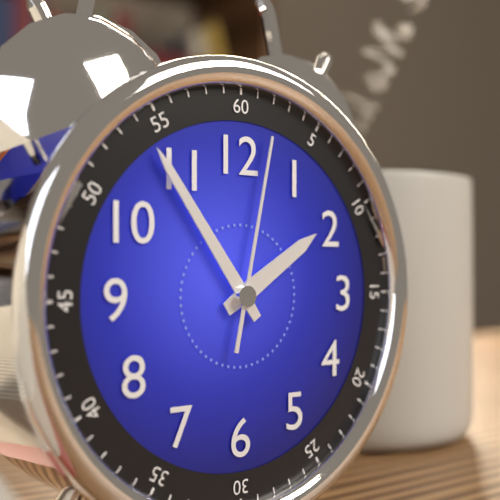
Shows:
1h54m02s
